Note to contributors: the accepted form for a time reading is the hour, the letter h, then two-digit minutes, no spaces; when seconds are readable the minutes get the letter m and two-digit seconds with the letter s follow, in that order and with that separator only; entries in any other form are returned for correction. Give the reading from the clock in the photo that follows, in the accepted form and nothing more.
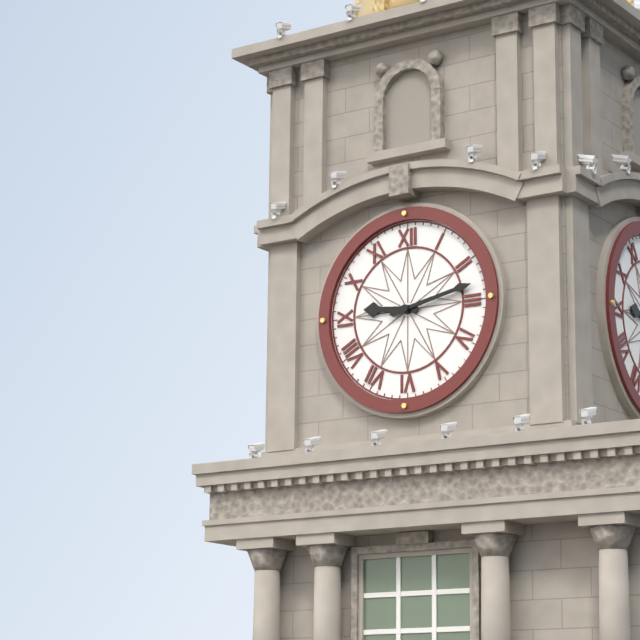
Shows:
9h13
